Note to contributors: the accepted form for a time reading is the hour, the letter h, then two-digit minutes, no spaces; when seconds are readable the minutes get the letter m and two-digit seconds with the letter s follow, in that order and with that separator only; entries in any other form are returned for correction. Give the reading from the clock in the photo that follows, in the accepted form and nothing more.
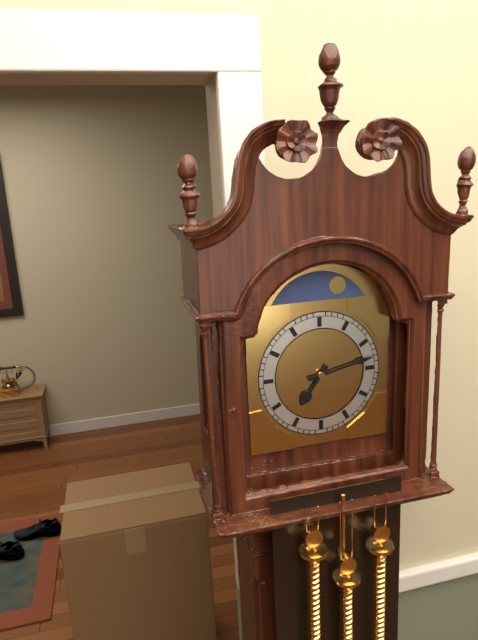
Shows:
7h13
